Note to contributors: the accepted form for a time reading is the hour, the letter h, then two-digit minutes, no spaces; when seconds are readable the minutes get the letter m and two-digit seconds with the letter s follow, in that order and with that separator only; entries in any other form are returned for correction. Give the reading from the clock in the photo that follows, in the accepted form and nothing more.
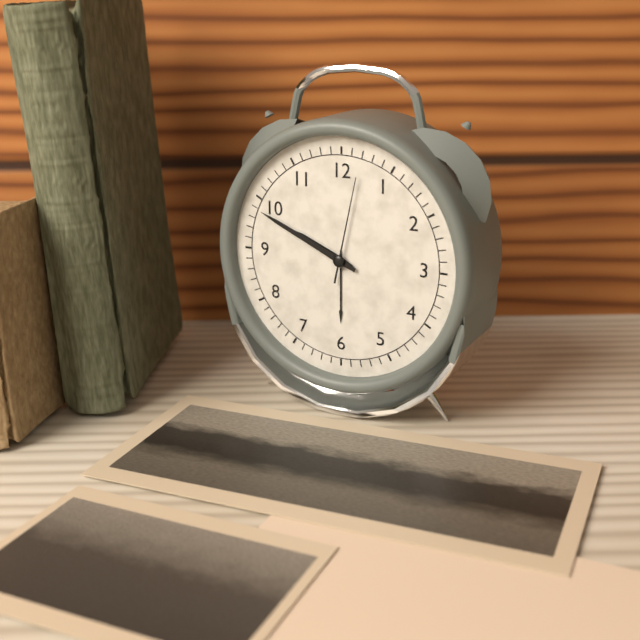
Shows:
9h49m02s
